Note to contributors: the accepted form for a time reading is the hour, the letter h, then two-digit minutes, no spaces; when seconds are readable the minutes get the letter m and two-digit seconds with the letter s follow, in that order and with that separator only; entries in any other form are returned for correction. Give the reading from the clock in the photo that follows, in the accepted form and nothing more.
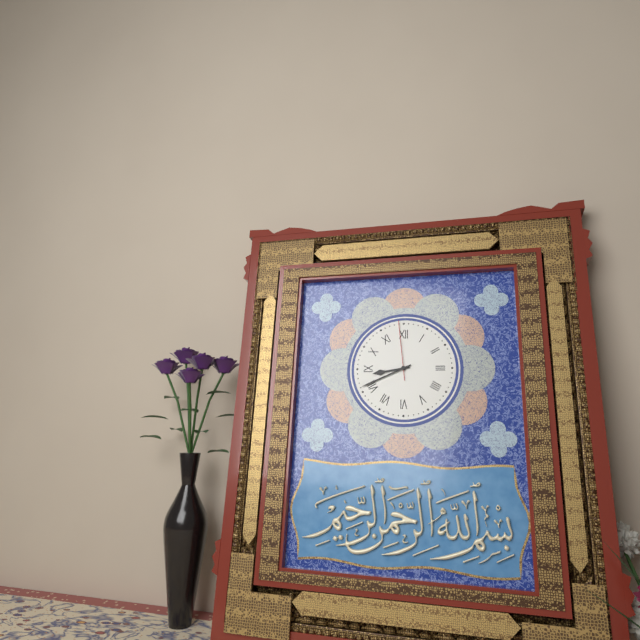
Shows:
8h41m59s
